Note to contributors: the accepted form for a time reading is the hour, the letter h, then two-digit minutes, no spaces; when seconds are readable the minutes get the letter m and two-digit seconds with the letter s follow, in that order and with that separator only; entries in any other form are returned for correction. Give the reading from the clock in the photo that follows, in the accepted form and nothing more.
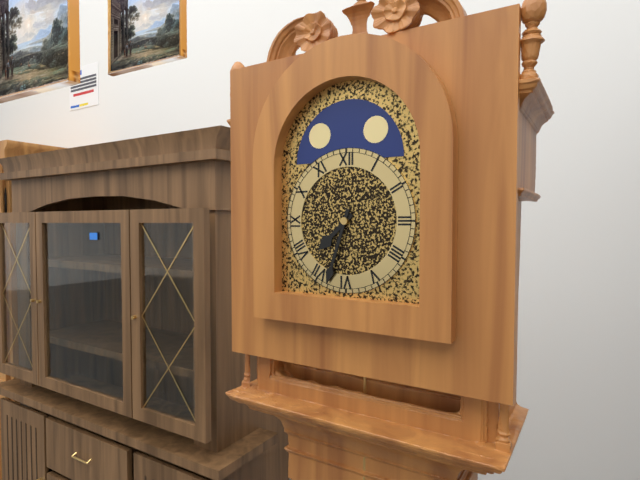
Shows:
7h33
